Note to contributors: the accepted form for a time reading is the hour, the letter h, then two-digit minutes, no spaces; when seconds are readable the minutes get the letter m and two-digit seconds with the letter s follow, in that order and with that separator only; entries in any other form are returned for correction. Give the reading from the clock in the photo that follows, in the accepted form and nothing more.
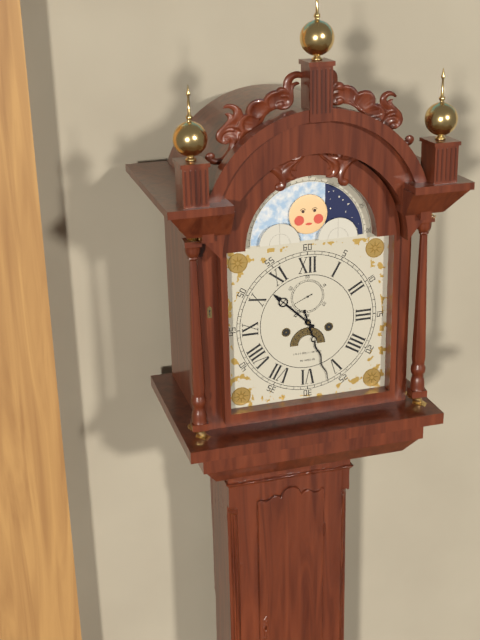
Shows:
10h27
